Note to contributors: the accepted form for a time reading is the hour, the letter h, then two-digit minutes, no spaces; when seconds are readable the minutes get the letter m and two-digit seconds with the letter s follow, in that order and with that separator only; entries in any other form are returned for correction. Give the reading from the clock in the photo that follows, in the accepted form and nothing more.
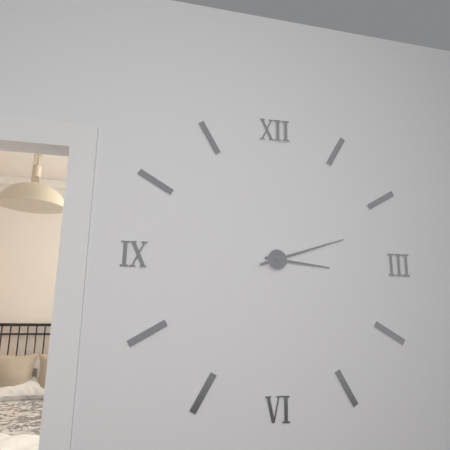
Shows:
3h12
